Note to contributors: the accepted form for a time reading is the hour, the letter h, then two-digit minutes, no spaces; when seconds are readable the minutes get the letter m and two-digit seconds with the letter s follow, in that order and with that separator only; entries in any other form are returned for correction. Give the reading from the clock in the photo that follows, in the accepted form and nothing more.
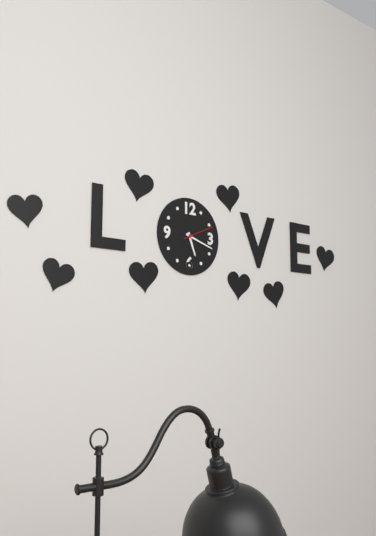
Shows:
5h18
